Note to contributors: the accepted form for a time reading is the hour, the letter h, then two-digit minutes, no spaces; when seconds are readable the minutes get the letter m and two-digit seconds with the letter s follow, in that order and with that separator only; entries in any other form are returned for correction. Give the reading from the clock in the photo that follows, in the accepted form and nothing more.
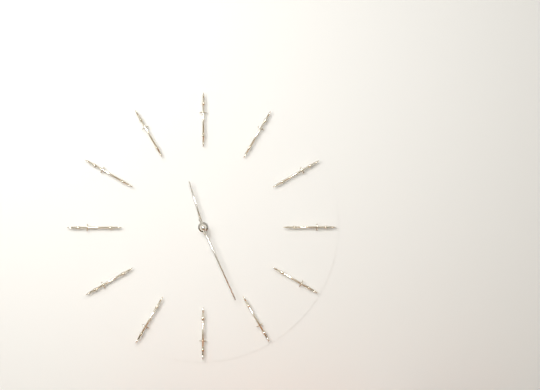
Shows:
11h26
